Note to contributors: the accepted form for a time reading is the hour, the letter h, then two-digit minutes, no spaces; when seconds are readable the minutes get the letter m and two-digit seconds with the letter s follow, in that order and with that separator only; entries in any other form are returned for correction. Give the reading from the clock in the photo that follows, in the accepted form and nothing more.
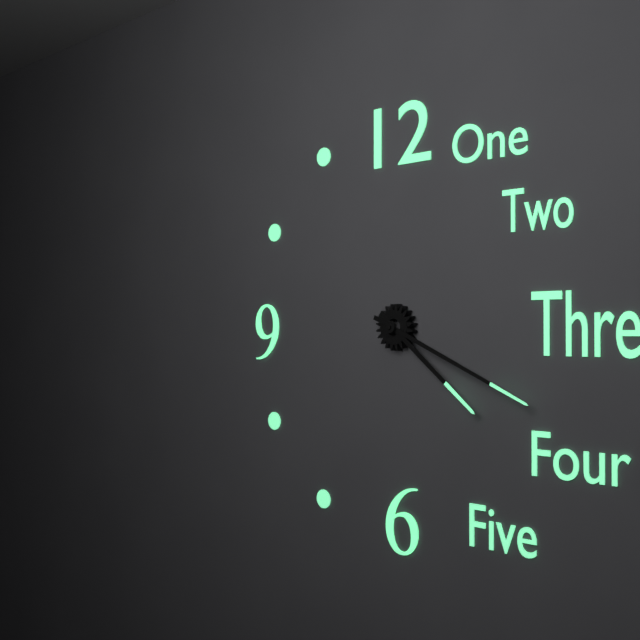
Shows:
4h19
